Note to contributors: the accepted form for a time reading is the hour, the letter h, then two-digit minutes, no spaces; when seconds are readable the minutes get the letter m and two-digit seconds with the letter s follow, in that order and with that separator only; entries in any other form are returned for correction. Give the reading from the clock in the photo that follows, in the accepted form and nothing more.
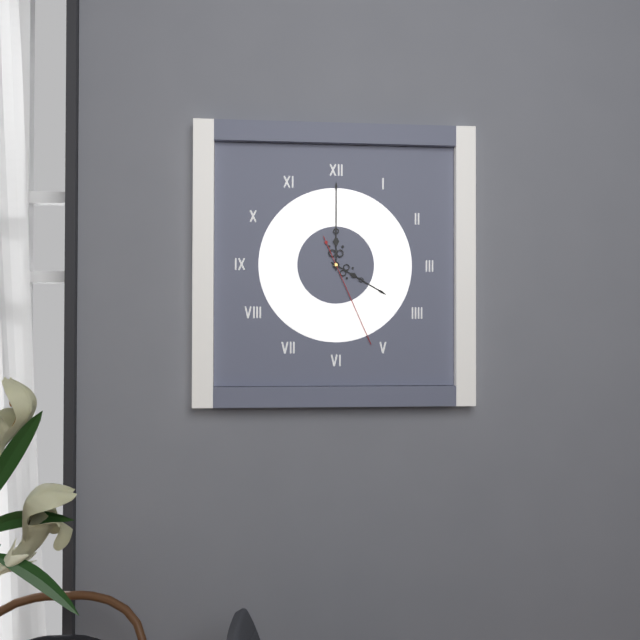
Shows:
4h00m26s
